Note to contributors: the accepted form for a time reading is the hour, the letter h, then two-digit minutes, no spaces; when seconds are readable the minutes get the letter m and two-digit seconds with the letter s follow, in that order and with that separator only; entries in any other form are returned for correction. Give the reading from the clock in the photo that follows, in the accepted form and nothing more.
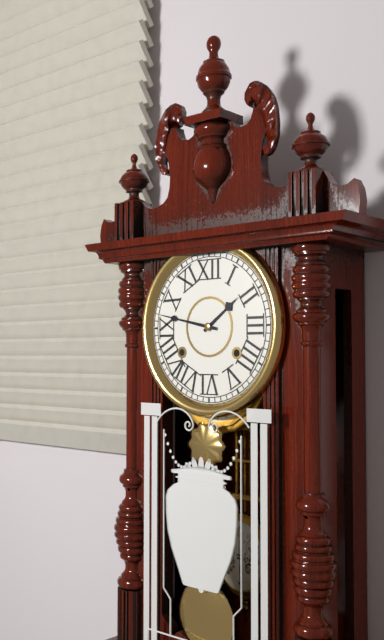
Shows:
1h47
